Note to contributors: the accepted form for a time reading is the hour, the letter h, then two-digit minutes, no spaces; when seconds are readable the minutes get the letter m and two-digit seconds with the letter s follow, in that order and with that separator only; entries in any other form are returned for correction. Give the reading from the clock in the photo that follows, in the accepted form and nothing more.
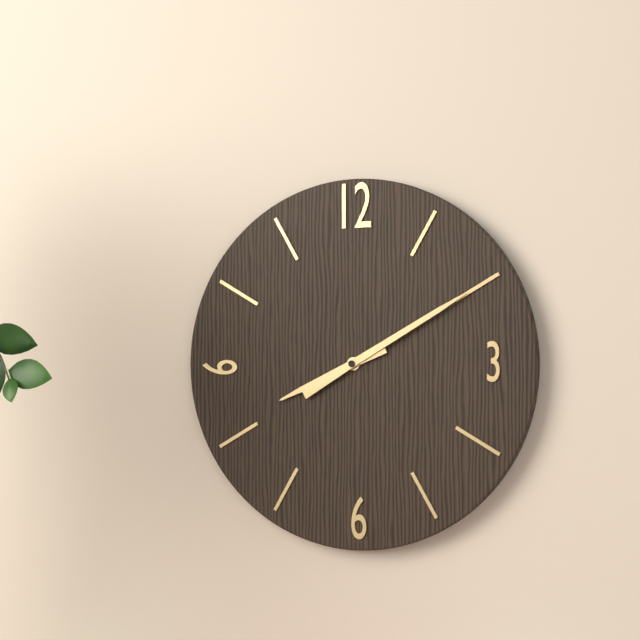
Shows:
8h10
